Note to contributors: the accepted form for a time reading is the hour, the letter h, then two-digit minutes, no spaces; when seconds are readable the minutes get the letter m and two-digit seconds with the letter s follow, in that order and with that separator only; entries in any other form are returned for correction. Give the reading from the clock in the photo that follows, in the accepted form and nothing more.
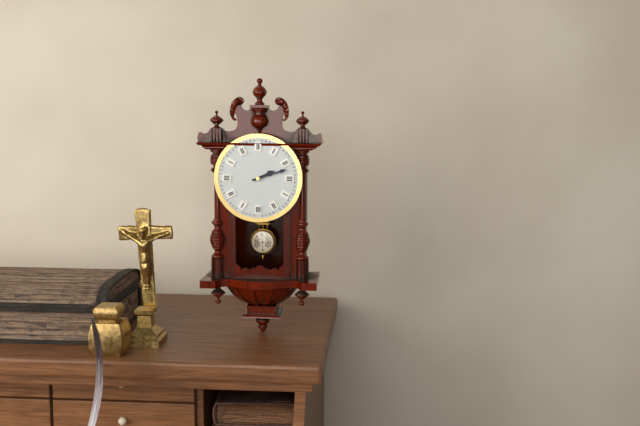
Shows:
2h12
